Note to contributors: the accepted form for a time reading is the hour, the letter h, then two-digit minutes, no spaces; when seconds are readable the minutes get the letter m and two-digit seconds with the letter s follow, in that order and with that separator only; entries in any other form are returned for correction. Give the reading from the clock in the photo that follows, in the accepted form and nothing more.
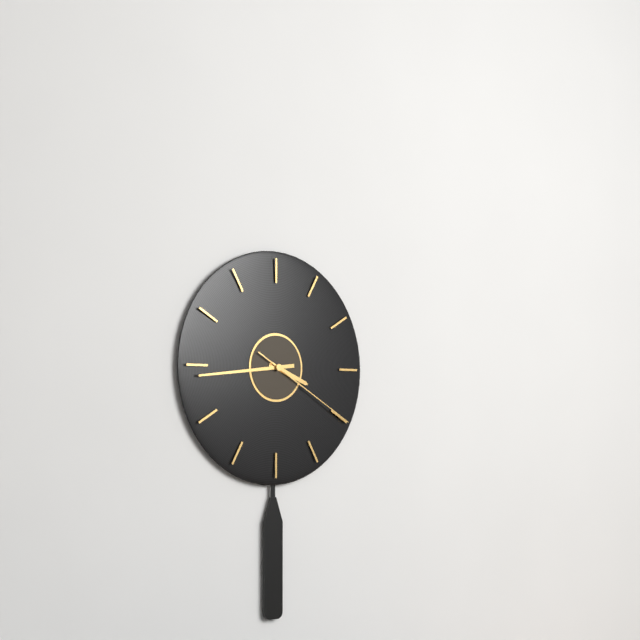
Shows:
3h44m20s
